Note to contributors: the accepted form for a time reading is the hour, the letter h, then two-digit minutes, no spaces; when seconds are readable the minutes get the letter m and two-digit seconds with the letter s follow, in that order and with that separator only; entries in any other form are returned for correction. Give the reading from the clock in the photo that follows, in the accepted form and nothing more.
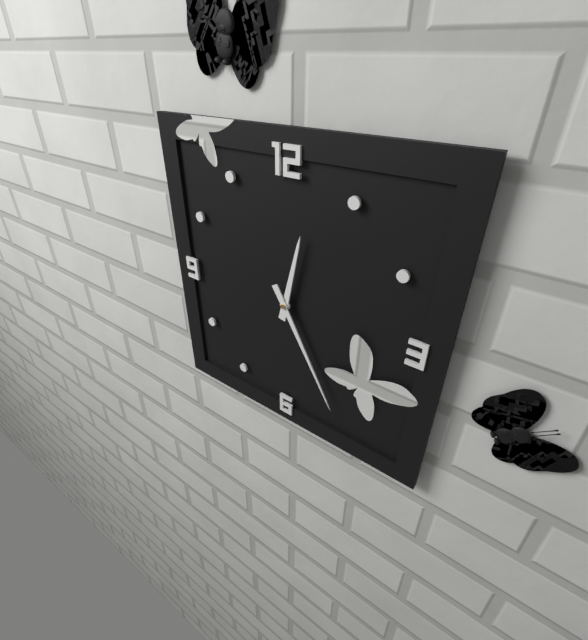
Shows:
12h25
